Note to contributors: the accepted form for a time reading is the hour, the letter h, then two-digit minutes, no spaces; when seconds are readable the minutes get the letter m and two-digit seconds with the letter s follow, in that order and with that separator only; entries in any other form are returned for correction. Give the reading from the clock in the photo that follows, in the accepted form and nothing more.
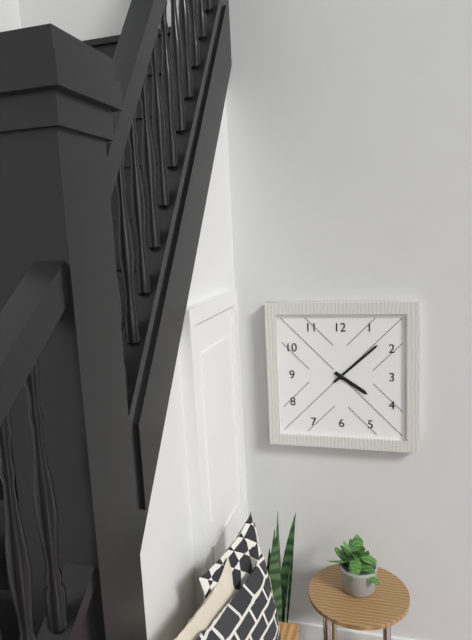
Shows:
4h08
